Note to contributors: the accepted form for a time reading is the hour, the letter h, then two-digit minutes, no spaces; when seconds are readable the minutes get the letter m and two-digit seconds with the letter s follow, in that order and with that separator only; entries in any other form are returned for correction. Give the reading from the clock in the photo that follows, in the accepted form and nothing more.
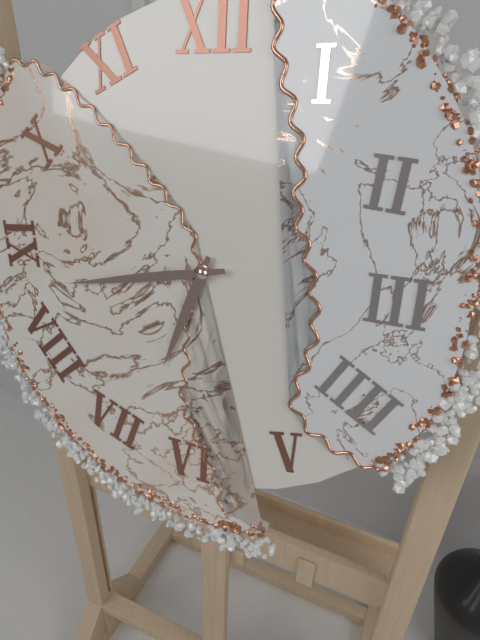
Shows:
6h43
